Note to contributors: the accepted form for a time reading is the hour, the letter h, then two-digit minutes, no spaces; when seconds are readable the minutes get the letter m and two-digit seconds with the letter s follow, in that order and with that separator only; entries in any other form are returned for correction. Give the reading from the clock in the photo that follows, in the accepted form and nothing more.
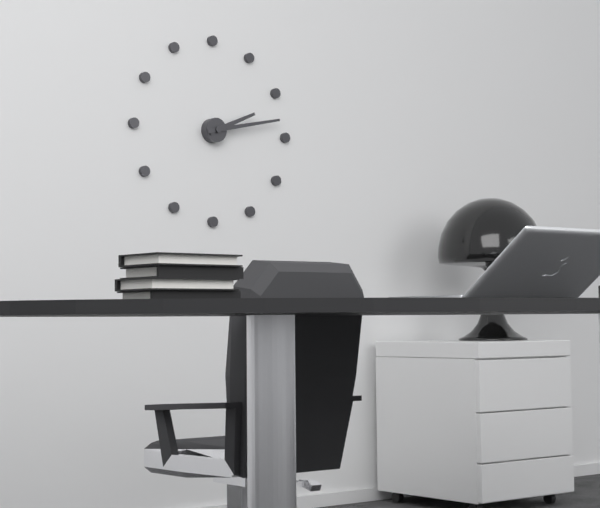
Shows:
2h13
